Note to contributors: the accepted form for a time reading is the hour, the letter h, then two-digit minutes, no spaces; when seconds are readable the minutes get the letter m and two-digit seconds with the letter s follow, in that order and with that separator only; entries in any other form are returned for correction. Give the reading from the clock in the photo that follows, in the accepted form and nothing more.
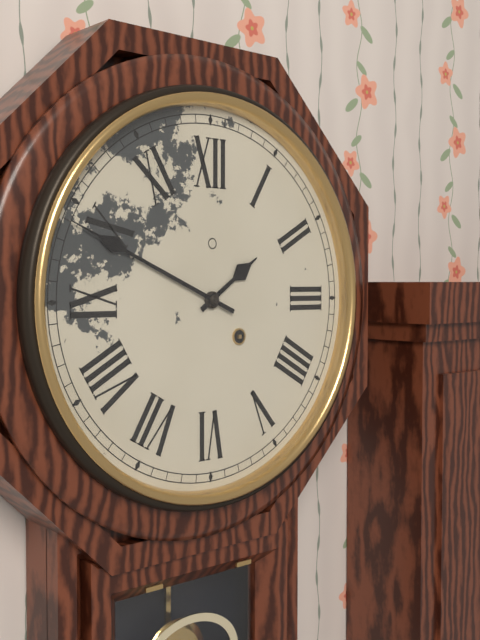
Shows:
1h49
